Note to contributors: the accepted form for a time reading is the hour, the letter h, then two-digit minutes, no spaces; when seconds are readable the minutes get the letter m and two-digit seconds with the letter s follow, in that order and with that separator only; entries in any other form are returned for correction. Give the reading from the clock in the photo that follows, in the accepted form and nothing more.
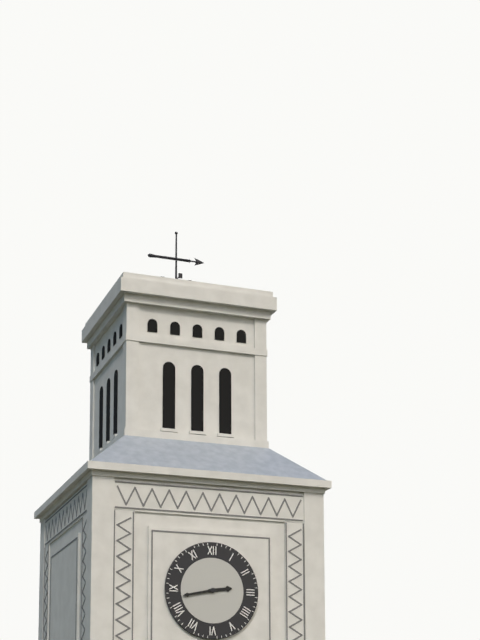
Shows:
2h43
